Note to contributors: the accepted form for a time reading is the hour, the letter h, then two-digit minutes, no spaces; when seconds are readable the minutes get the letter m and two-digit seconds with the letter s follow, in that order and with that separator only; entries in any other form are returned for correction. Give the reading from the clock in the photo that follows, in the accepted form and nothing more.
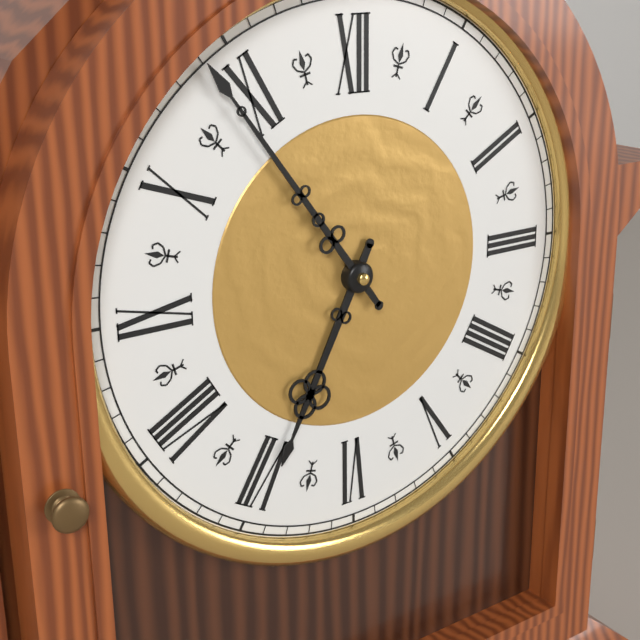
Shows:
6h54
